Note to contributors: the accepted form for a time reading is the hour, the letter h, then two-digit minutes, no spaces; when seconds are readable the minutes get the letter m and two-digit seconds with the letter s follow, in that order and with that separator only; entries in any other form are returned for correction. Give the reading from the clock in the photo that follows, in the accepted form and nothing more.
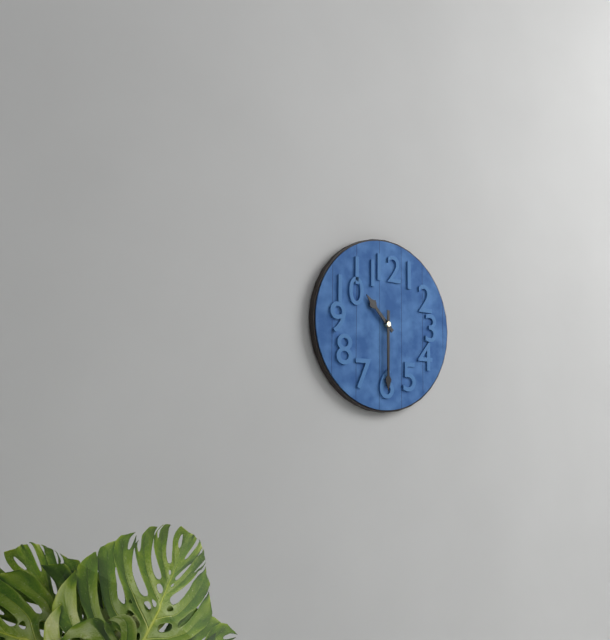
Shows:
10h30
